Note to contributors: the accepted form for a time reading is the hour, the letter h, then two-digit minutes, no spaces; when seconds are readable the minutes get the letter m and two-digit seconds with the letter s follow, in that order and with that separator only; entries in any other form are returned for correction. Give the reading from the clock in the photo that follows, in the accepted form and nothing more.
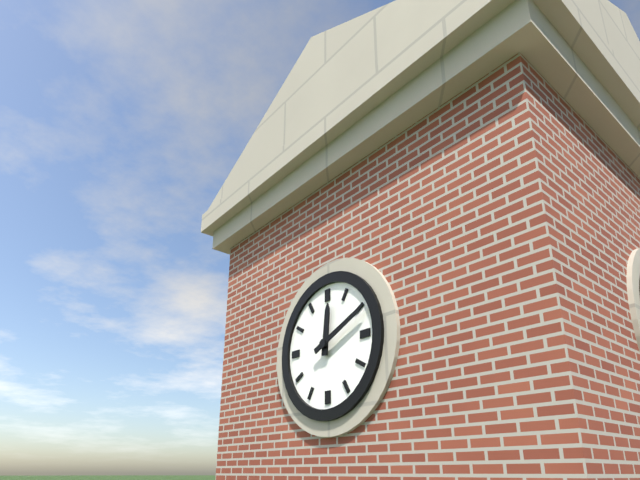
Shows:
12h11
